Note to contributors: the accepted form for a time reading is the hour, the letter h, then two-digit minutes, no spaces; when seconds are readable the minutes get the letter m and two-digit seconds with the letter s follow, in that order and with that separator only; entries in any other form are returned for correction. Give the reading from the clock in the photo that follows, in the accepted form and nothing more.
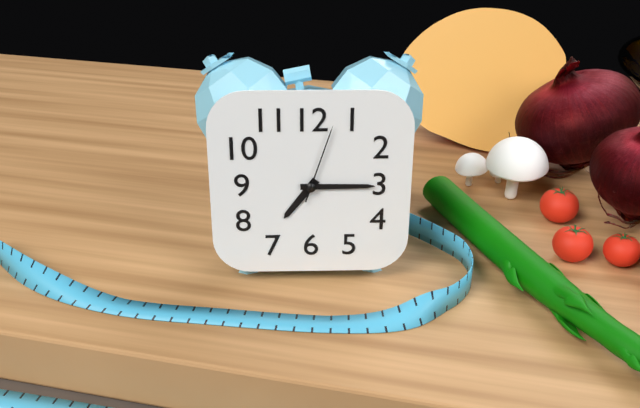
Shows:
7h15m03s
